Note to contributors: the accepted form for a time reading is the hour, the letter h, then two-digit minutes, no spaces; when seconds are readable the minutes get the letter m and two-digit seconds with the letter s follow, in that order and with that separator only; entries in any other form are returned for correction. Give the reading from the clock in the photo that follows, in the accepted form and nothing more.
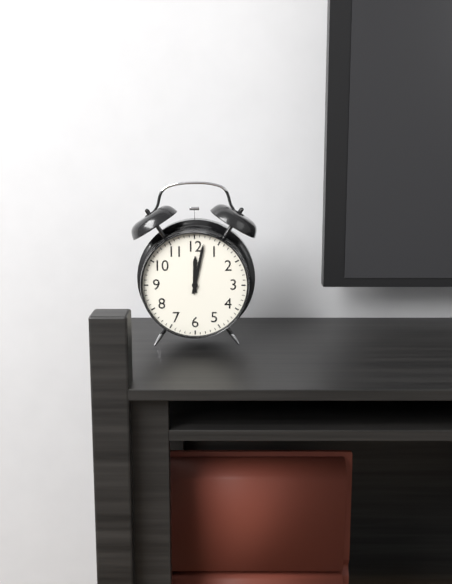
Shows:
12h02
